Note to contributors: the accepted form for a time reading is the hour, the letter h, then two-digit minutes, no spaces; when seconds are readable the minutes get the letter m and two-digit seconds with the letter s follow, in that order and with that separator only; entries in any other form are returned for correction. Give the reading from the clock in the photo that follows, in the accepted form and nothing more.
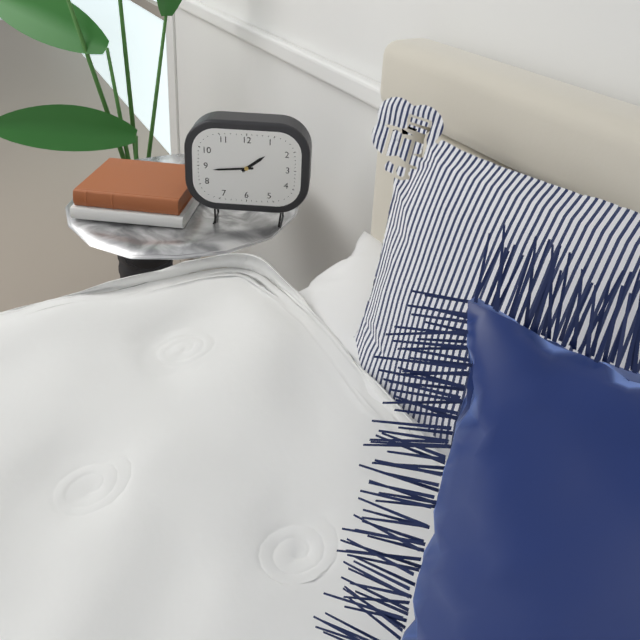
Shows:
1h44
